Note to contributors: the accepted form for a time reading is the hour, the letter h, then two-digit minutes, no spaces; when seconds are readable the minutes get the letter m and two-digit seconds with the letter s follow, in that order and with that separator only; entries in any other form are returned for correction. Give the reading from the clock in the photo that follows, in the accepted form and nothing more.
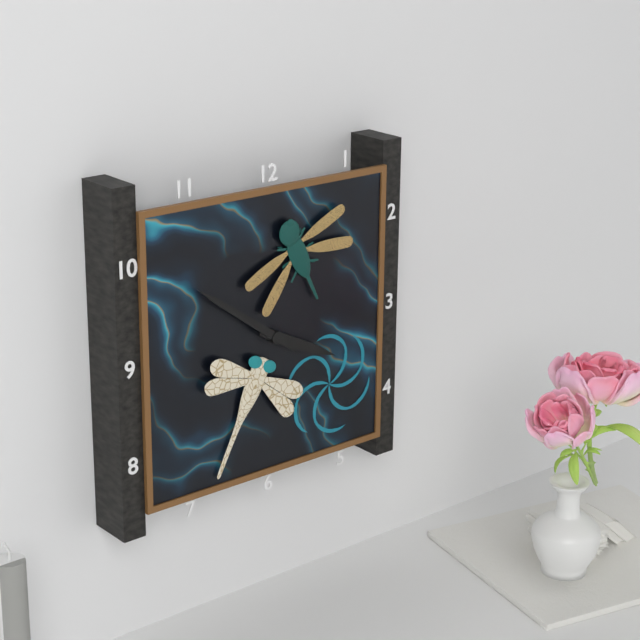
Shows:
3h51
